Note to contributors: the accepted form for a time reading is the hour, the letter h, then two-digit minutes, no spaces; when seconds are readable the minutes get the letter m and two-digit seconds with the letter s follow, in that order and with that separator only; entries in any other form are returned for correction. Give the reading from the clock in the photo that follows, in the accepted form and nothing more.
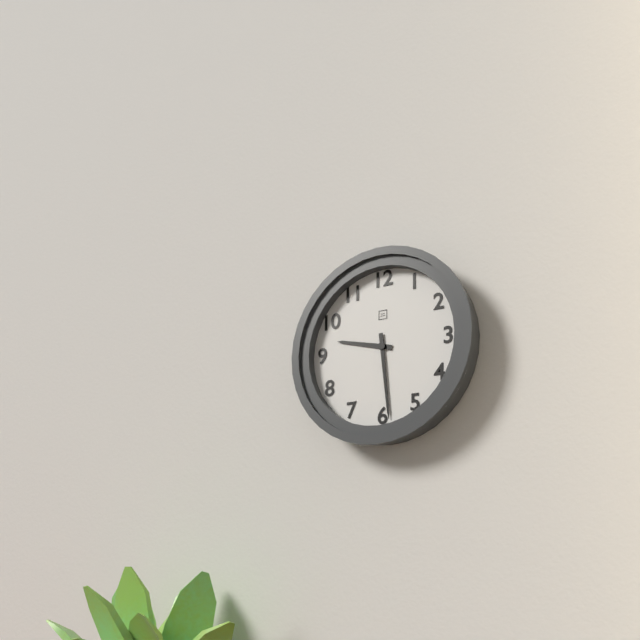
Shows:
9h29
